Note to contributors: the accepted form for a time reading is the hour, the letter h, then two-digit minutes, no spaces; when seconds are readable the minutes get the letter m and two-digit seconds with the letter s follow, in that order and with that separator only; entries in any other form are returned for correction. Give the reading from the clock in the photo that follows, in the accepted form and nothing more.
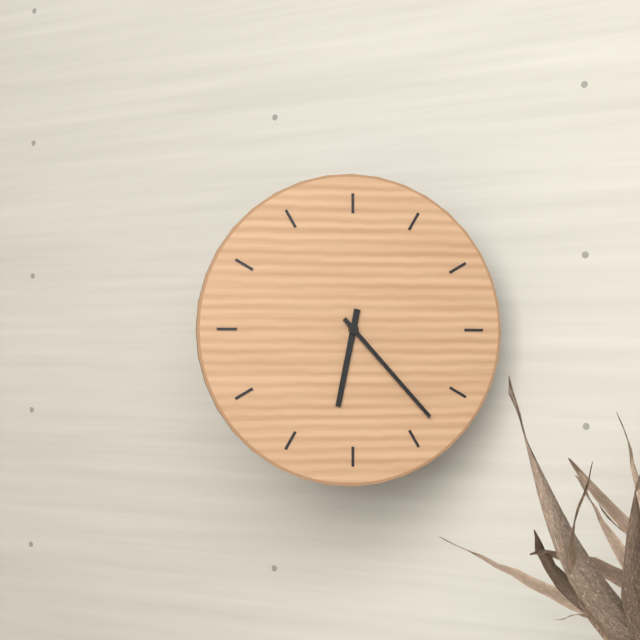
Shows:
6h23
